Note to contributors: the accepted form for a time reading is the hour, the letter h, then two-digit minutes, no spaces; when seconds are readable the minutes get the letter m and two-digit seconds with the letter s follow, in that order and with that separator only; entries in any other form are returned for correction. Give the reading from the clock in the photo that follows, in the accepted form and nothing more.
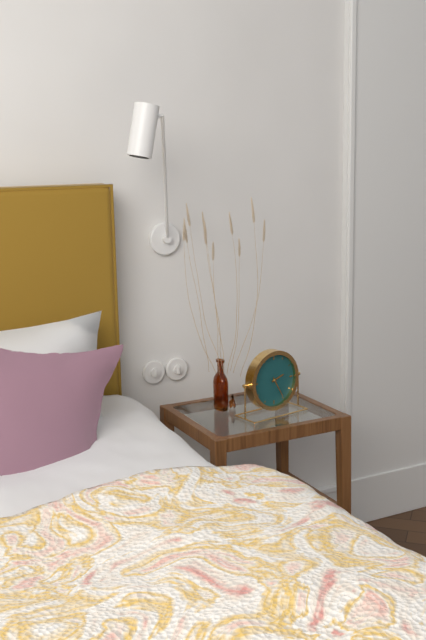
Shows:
2h25
